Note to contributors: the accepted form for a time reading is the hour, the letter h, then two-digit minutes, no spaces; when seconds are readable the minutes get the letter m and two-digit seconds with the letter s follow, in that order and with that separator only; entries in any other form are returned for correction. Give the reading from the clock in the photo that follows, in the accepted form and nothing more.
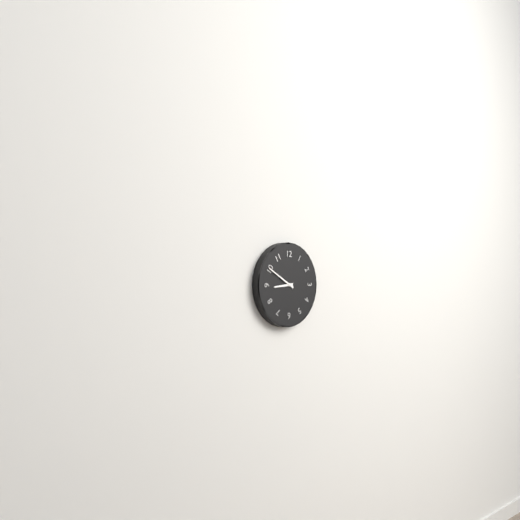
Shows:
8h50
